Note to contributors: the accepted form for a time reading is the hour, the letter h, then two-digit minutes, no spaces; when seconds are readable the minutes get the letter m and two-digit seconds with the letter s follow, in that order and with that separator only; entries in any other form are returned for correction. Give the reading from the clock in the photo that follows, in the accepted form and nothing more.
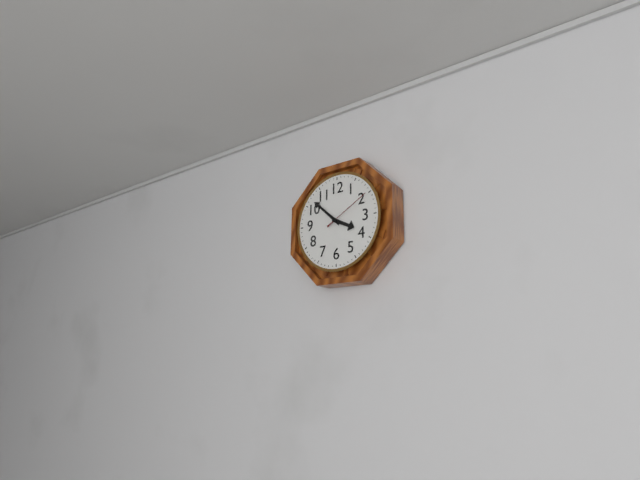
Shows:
3h52
